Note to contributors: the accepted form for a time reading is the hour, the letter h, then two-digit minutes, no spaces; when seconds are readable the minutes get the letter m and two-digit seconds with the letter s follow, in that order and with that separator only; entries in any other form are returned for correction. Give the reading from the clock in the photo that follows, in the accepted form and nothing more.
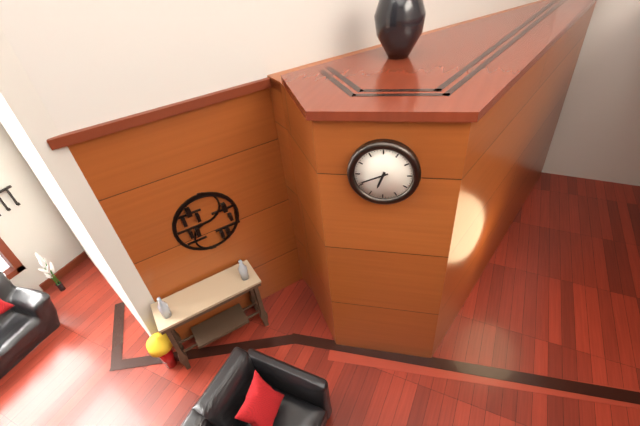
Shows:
6h41
